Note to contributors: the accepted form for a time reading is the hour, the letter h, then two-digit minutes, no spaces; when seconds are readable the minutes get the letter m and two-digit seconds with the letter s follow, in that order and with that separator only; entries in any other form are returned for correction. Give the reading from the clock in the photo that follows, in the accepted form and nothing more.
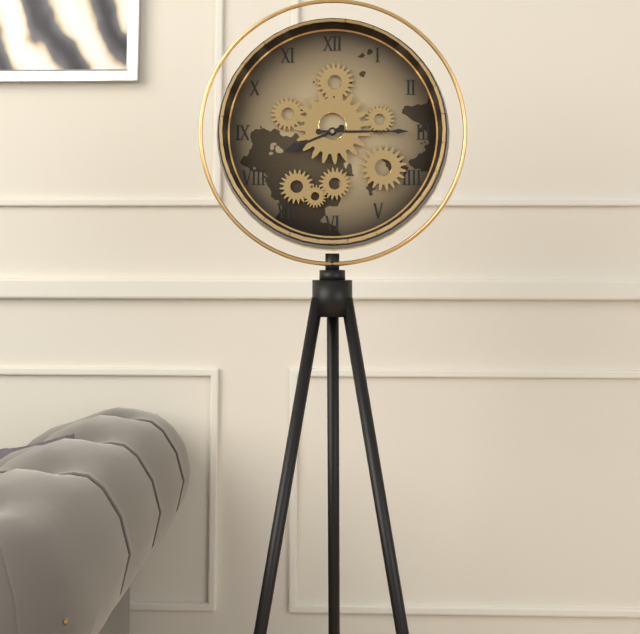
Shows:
8h15
